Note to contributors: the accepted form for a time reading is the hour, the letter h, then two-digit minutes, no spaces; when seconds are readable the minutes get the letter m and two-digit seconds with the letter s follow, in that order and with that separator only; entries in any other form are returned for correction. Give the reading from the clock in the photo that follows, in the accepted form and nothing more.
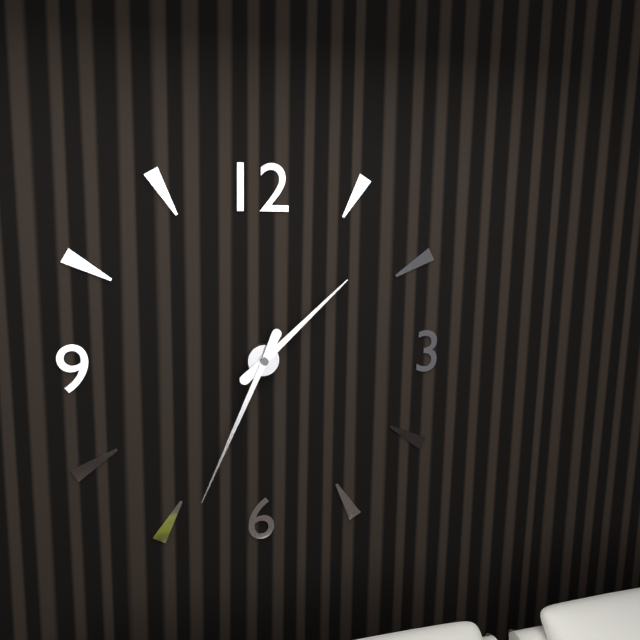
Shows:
1h34
